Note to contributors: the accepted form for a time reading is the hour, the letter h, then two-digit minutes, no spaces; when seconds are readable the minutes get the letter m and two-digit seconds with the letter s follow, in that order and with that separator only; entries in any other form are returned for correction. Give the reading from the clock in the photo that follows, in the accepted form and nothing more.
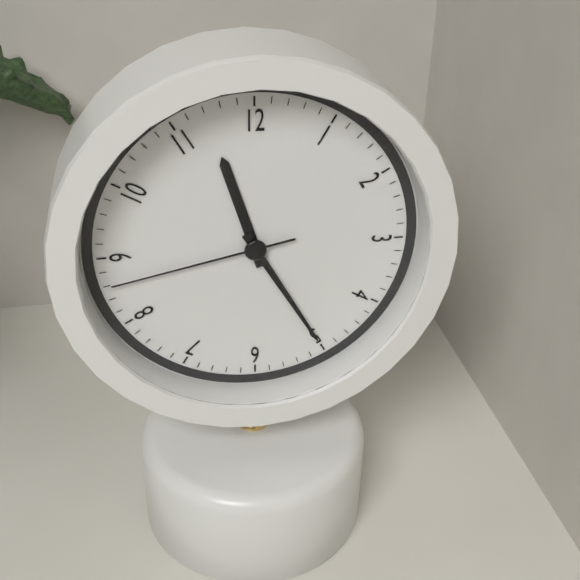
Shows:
11h25m43s
